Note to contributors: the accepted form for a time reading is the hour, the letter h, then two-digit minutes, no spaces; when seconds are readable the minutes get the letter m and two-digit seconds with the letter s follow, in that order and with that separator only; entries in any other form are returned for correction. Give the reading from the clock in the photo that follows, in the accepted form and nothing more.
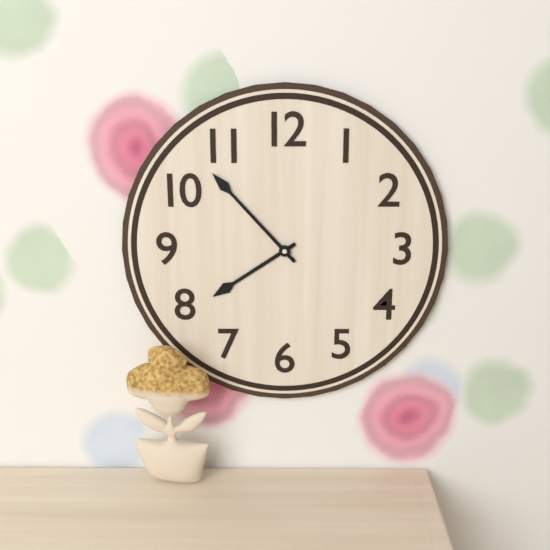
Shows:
7h53
